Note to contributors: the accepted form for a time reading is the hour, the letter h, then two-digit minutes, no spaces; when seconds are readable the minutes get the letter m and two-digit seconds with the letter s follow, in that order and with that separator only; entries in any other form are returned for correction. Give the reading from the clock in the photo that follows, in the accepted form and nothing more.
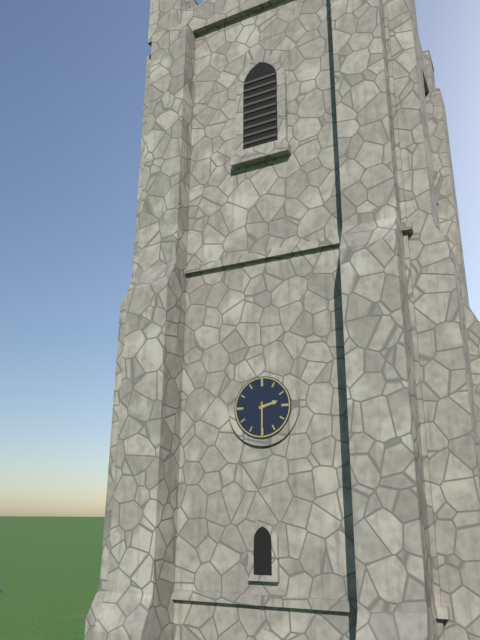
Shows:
2h30
